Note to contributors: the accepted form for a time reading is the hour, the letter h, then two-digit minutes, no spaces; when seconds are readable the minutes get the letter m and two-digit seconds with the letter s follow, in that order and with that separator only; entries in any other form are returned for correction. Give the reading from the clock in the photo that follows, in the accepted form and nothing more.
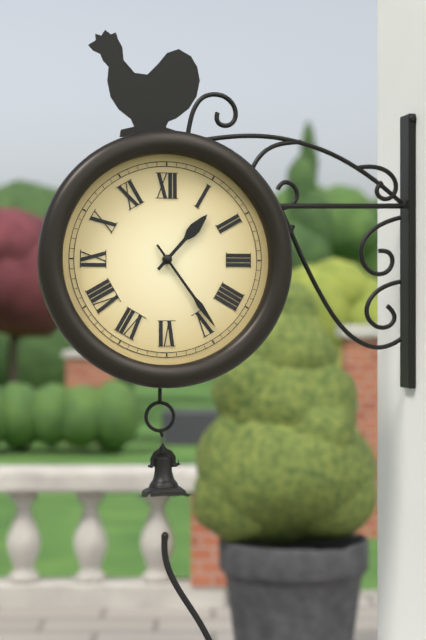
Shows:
1h24
